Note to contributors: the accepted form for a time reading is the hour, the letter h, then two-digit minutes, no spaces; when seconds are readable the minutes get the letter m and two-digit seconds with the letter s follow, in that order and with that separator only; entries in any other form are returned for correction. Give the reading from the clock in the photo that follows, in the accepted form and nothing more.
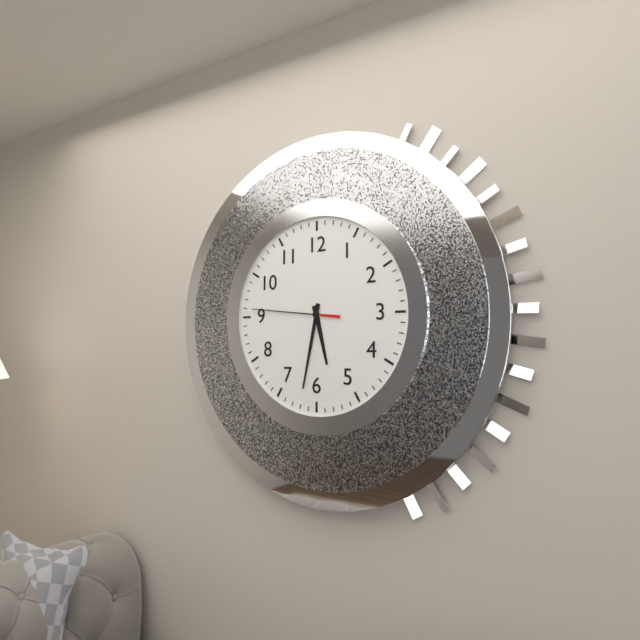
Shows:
5h32m46s
